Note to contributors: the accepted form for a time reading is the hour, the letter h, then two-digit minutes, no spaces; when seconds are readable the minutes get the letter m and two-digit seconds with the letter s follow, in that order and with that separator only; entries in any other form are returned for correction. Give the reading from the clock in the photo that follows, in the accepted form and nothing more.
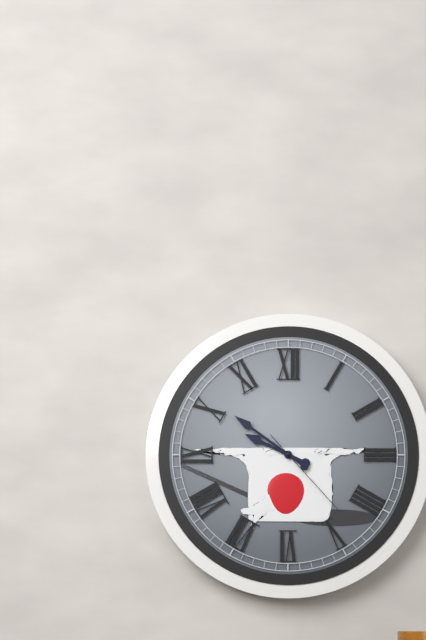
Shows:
9h51m23s
